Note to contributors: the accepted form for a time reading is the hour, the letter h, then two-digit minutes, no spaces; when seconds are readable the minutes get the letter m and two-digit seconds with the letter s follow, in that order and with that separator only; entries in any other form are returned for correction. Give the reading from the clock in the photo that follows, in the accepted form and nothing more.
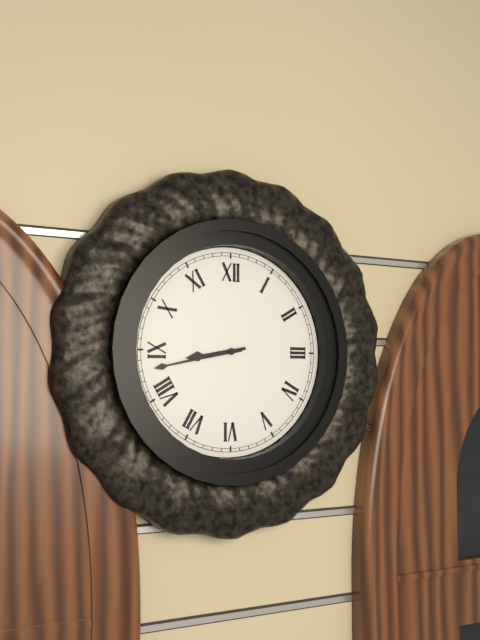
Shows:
8h43
